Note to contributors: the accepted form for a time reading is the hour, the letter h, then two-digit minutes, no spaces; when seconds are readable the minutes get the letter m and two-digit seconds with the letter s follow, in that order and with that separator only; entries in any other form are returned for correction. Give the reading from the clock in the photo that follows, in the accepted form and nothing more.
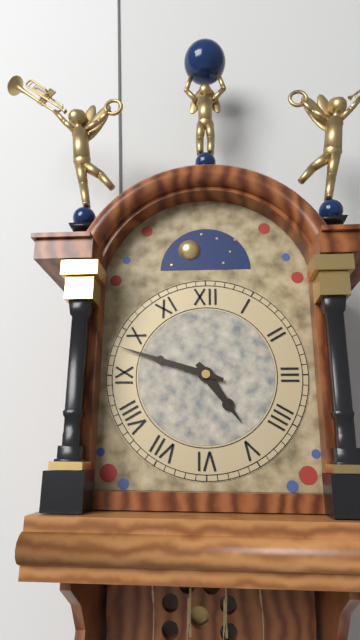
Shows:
4h48
